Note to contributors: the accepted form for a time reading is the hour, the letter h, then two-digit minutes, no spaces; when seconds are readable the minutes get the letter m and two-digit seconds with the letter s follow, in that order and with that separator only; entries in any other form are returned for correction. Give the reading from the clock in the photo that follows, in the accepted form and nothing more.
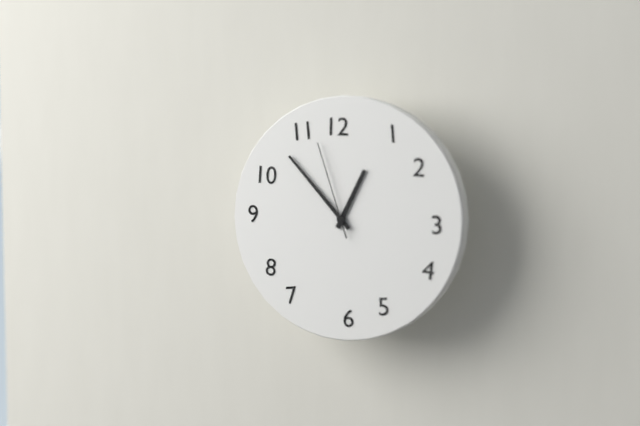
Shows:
12h53m57s
